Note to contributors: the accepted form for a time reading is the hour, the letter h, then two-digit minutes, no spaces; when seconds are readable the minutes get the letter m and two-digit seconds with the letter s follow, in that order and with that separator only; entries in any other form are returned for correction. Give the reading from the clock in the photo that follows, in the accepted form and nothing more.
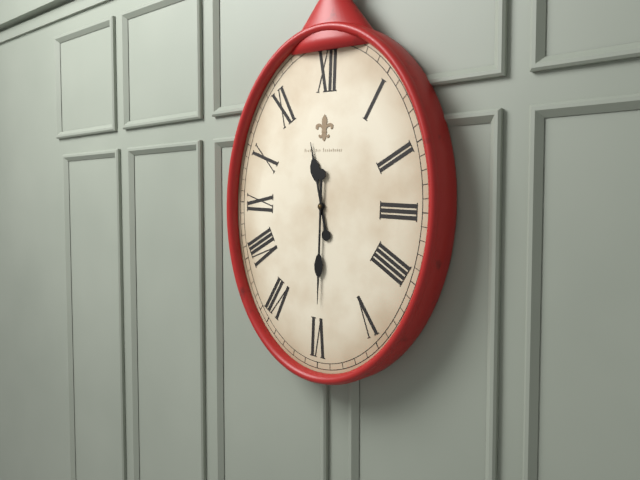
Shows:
11h30
